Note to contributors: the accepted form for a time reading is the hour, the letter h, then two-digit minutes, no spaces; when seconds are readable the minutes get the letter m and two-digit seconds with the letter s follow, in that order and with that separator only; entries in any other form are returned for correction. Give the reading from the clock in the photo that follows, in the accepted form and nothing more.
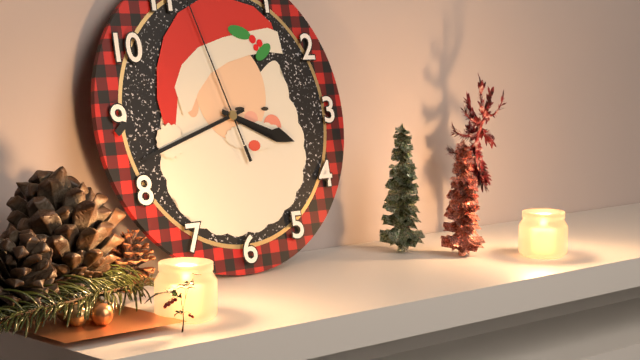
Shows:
3h42
